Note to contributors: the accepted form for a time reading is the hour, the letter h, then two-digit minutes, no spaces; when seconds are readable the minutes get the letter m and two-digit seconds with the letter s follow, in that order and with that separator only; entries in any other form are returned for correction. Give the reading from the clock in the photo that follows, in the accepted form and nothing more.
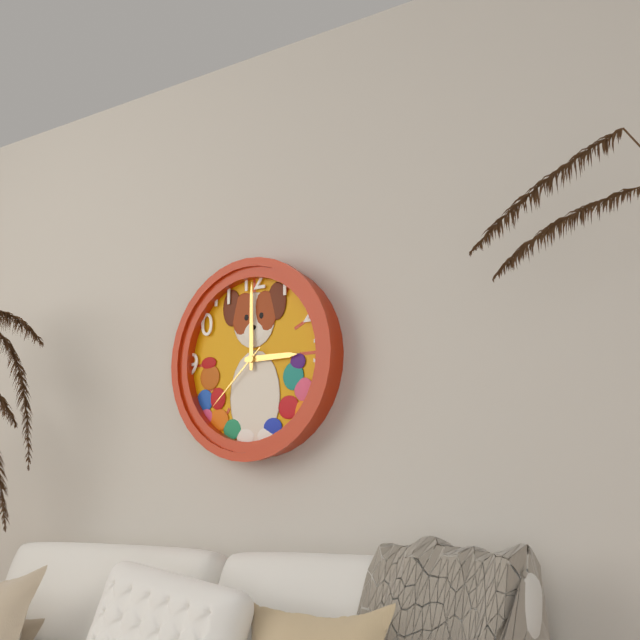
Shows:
3h00m38s
